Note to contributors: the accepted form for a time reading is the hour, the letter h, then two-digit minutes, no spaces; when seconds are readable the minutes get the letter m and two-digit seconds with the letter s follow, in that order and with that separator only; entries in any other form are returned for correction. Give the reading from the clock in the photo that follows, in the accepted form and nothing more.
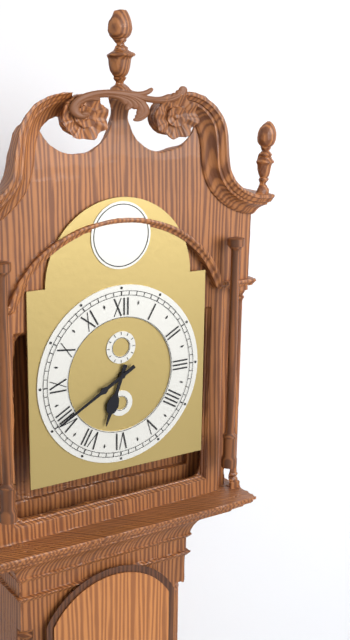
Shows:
6h40
